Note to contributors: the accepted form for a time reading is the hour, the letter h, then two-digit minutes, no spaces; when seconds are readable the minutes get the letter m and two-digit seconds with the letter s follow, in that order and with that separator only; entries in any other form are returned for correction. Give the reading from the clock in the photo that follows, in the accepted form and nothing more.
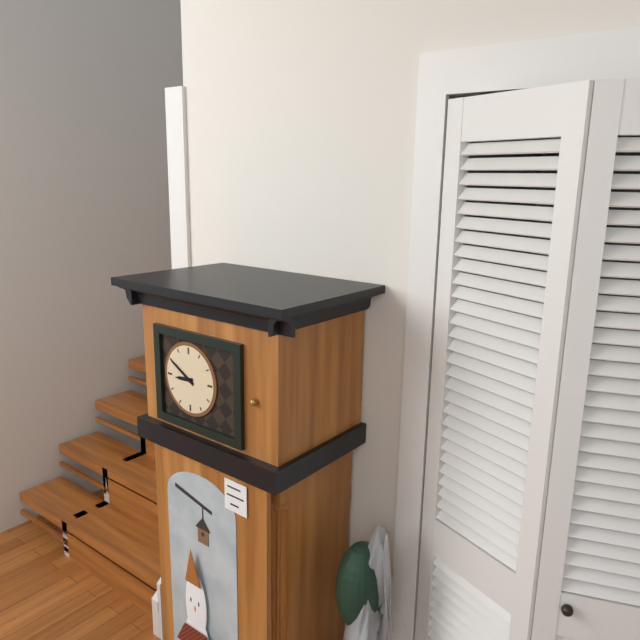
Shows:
8h50
